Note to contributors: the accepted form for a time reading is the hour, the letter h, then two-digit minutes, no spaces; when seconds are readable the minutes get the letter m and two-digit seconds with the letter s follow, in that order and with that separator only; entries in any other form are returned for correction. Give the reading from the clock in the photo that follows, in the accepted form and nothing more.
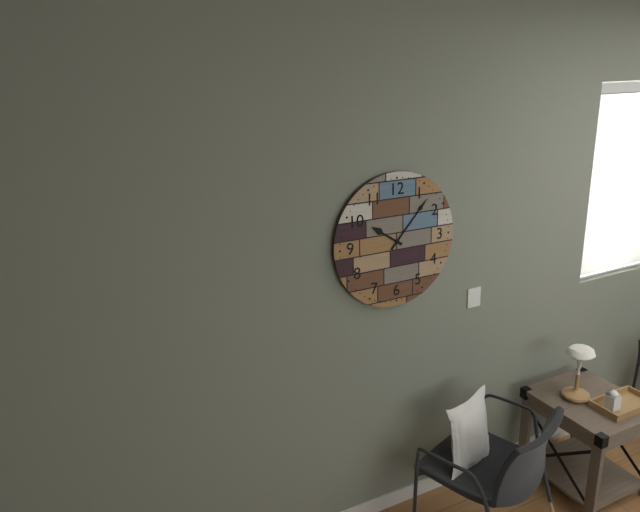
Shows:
10h07
